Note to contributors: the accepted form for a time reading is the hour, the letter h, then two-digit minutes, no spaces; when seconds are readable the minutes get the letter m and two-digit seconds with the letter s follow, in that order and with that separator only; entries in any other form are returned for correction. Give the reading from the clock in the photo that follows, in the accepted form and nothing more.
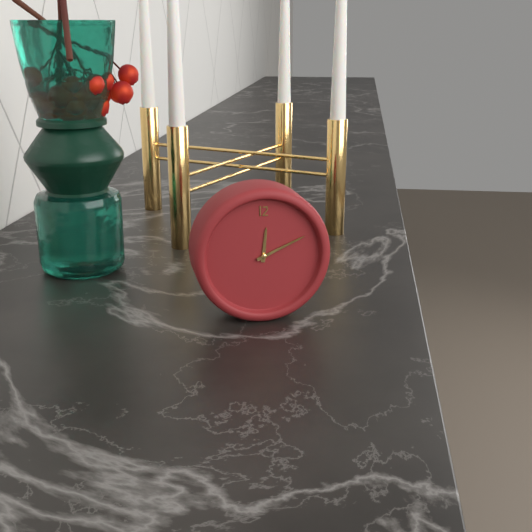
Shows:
12h11
